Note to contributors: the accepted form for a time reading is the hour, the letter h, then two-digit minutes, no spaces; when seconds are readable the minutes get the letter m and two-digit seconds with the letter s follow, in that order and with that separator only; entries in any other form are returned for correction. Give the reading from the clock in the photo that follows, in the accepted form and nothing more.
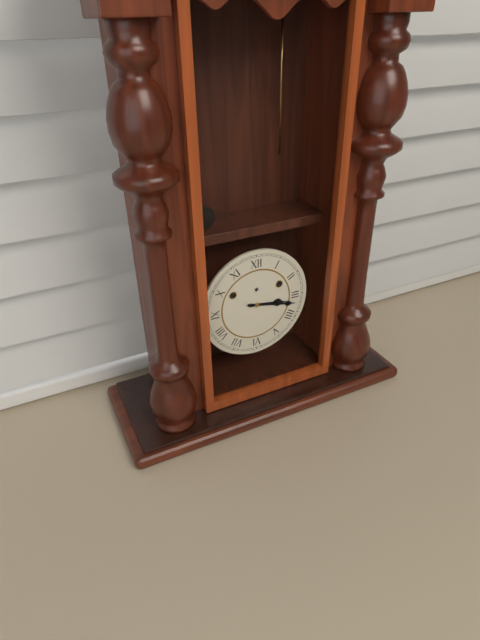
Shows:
3h17
